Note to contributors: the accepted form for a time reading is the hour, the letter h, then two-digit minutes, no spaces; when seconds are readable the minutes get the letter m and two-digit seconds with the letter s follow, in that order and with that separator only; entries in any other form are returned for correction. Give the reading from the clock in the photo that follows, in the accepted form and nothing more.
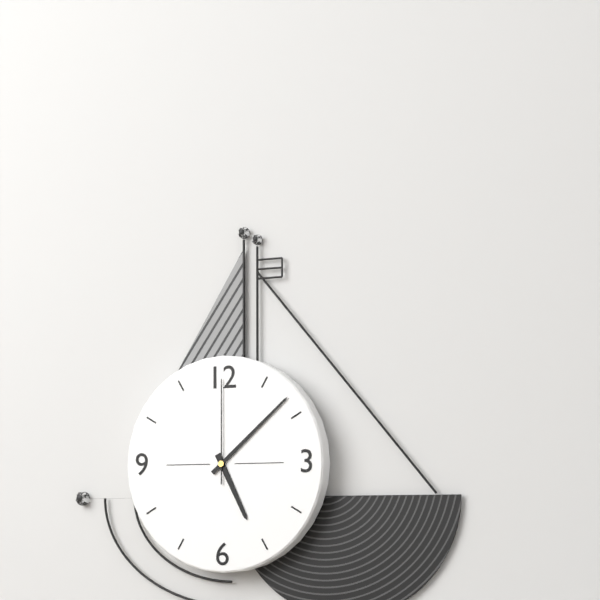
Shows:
5h08m00s
